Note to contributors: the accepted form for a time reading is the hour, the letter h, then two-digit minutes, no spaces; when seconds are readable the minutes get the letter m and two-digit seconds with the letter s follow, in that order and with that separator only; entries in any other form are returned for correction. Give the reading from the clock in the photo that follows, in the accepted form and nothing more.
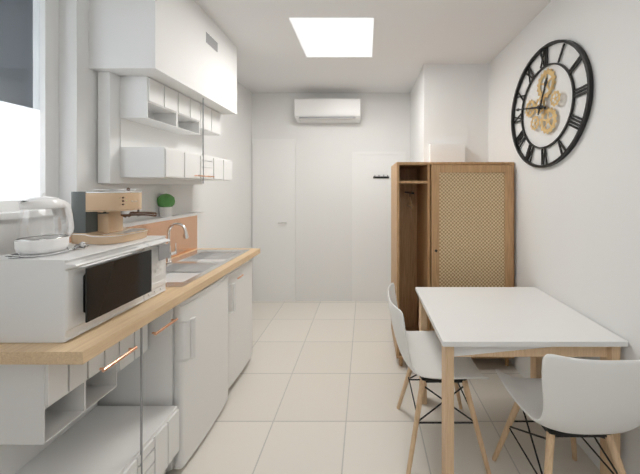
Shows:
12h47
